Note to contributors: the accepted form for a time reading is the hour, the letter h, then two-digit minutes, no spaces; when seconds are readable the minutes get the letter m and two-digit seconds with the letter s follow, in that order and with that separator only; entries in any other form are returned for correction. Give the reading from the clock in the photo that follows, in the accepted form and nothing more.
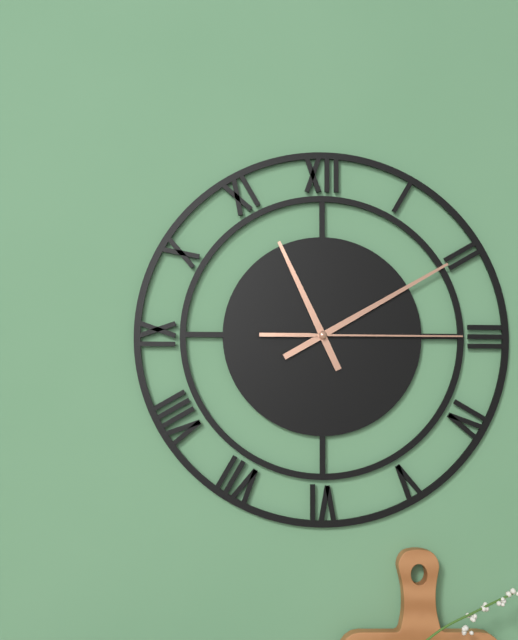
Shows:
11h10m15s
